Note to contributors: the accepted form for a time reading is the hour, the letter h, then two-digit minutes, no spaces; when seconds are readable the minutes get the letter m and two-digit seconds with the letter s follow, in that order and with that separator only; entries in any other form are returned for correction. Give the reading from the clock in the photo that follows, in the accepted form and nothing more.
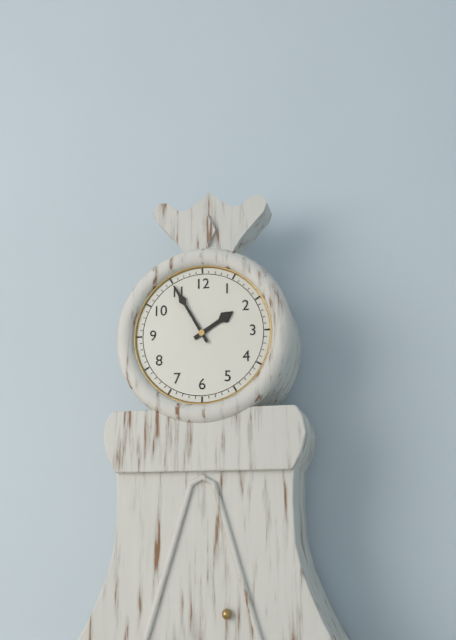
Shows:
1h55
